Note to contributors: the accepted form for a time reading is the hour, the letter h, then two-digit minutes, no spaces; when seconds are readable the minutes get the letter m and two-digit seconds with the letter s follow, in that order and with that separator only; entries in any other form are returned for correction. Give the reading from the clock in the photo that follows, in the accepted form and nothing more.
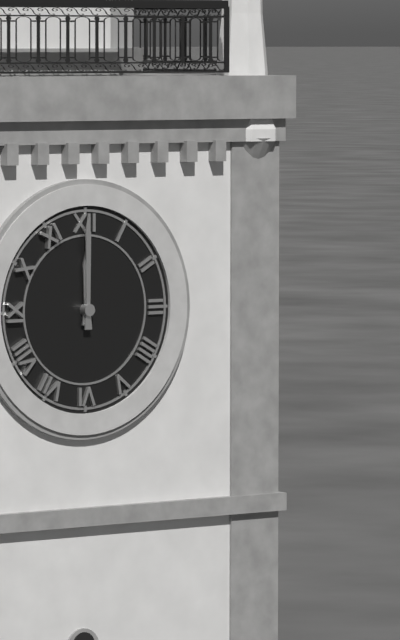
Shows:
12h00
